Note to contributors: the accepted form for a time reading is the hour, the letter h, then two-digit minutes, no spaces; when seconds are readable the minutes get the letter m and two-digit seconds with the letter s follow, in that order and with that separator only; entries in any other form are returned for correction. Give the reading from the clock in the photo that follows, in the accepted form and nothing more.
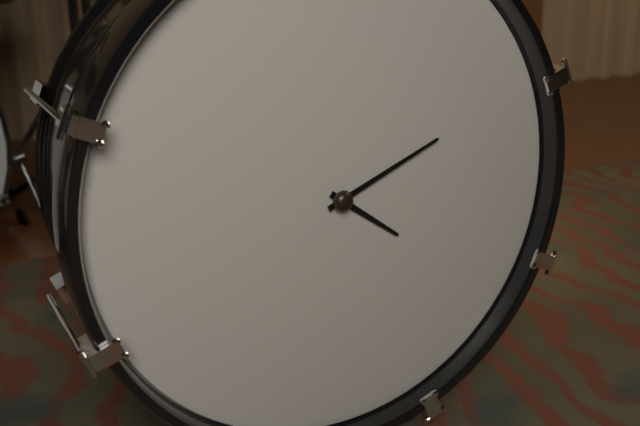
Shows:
4h11
